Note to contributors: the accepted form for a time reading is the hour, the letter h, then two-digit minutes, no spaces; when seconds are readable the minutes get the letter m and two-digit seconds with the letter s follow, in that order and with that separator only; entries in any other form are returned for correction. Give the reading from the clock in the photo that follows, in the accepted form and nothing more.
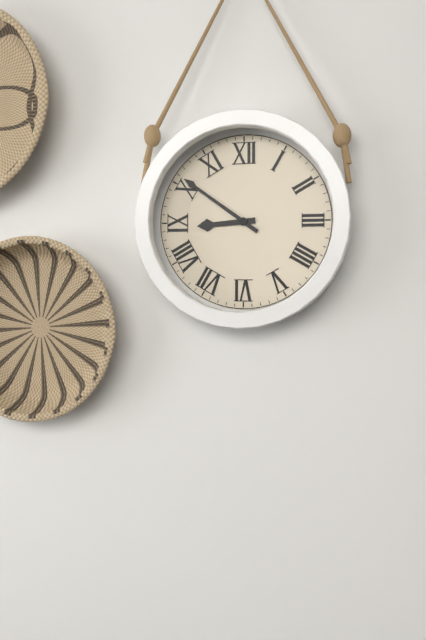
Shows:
8h51
